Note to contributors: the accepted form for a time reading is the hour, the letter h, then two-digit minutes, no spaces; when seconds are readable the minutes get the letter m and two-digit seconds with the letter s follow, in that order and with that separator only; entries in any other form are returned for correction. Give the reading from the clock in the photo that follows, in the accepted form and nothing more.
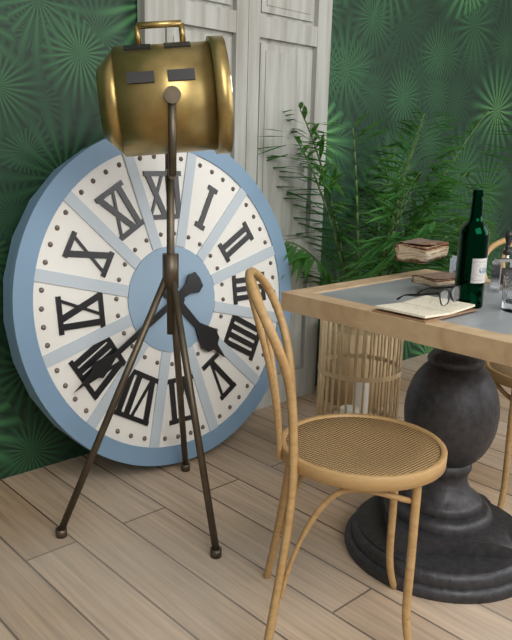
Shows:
4h40
